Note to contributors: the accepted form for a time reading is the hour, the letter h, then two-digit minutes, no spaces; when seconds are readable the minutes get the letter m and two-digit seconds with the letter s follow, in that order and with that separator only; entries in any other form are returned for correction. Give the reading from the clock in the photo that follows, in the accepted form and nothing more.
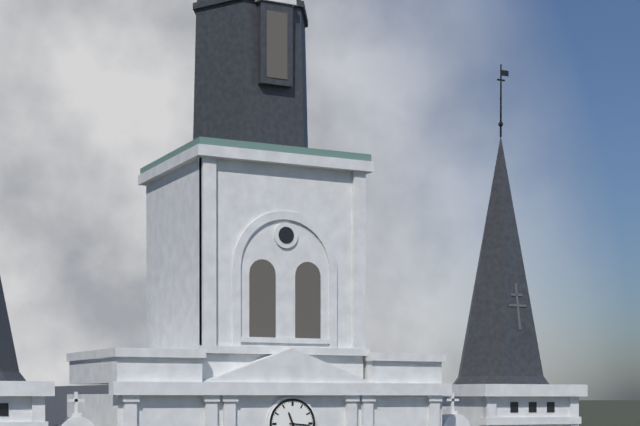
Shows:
11h16
